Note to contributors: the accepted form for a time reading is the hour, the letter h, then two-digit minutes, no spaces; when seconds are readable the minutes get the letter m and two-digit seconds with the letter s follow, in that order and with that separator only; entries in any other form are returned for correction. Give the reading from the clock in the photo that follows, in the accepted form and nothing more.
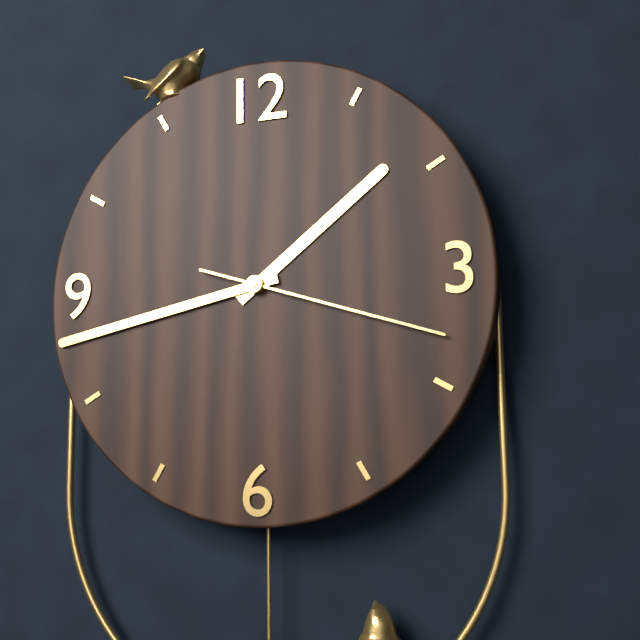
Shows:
1h43m18s
